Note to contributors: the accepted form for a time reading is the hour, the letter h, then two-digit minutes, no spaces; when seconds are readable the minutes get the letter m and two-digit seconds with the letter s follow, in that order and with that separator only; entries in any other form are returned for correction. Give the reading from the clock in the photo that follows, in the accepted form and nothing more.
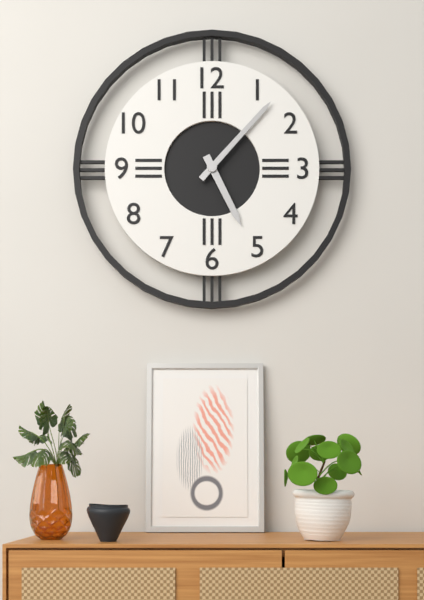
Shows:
5h07
